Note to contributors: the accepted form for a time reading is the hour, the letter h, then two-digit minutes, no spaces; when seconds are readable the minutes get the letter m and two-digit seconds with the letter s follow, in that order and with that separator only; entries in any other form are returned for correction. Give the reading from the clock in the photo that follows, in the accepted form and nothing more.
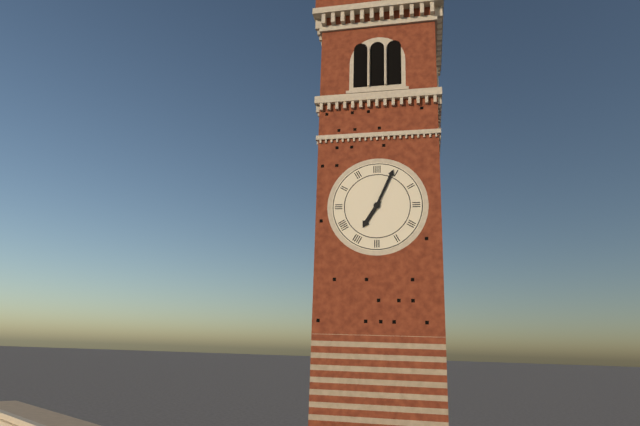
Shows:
7h04
